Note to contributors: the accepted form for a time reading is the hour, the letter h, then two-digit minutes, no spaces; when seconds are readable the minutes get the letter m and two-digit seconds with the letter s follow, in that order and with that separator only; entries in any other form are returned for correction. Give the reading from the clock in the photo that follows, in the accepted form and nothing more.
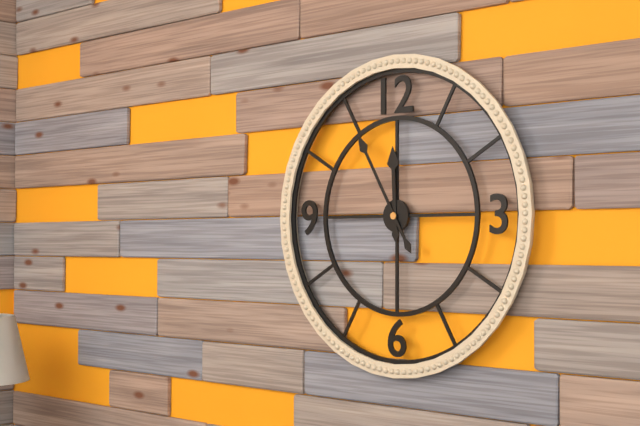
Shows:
11h55
